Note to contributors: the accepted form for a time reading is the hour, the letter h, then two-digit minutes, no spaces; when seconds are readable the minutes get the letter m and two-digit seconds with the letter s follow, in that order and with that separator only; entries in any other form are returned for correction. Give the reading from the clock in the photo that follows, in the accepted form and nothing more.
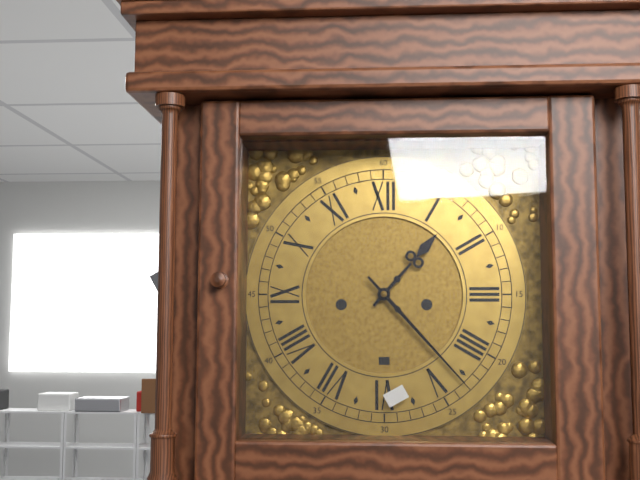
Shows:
1h23
